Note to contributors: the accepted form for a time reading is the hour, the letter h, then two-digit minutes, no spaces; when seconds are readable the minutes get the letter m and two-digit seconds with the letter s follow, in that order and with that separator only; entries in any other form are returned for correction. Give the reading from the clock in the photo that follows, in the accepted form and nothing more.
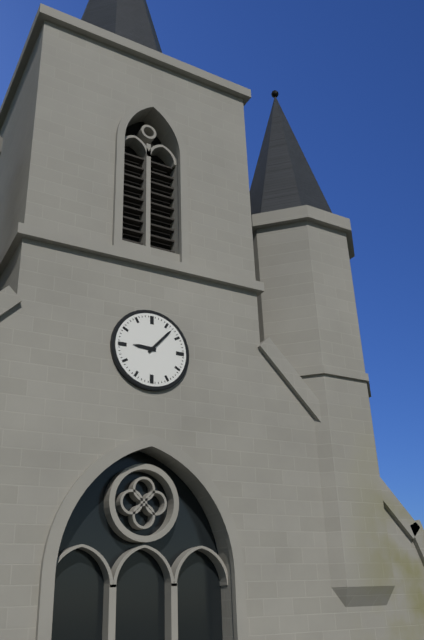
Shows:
9h07
